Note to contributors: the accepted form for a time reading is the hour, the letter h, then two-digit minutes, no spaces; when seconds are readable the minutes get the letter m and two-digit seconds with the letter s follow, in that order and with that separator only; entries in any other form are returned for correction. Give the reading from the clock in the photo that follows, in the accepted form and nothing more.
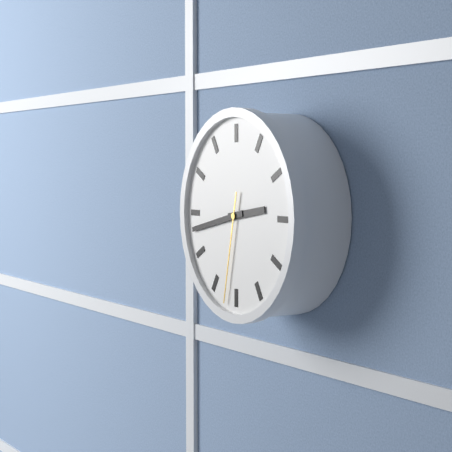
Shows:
2h43m32s
